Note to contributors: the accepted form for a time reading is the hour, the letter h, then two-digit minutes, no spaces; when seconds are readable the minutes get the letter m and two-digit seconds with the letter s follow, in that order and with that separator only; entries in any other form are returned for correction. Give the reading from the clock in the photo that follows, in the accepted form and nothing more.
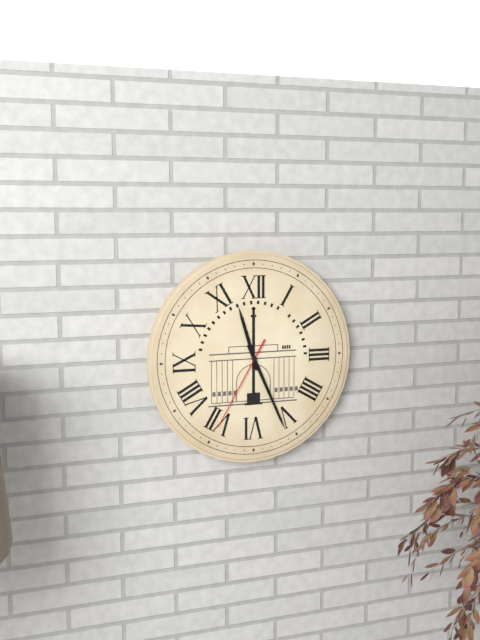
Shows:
11h26m35s
